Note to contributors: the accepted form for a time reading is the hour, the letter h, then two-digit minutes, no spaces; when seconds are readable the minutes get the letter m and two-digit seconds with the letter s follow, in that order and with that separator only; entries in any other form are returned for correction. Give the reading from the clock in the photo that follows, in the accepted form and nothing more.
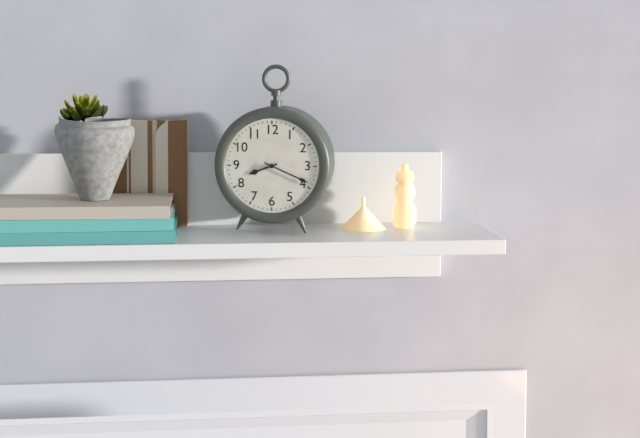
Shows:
8h19
